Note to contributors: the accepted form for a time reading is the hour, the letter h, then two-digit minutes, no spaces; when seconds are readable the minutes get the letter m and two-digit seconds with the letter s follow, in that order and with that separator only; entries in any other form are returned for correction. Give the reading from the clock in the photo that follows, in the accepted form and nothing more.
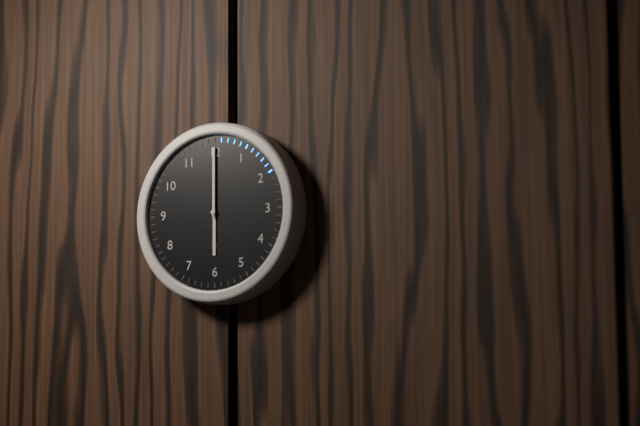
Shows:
6h00
